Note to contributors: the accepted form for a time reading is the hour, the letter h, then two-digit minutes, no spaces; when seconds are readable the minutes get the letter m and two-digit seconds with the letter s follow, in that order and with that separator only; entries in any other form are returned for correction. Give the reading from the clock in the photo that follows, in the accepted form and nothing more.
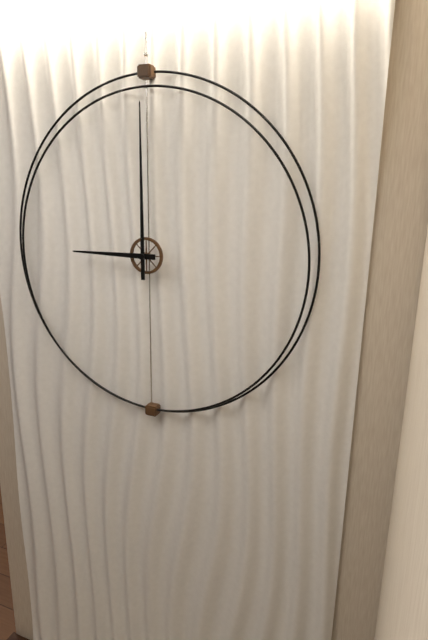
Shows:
9h00
